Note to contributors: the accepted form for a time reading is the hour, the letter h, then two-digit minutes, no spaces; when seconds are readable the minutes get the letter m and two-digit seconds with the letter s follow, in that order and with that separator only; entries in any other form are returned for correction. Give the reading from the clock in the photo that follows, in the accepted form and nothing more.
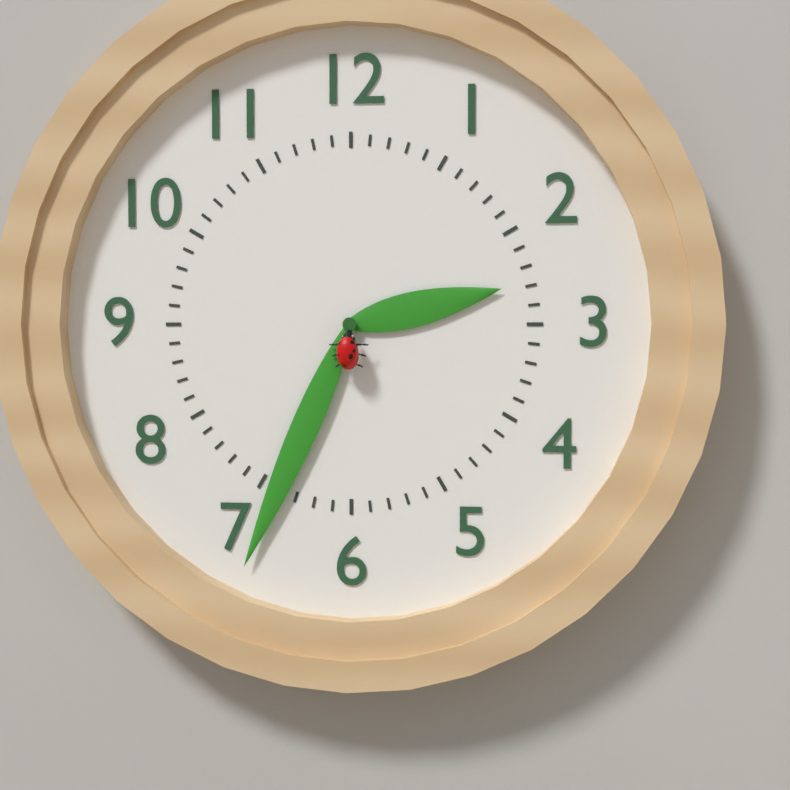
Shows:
2h34
